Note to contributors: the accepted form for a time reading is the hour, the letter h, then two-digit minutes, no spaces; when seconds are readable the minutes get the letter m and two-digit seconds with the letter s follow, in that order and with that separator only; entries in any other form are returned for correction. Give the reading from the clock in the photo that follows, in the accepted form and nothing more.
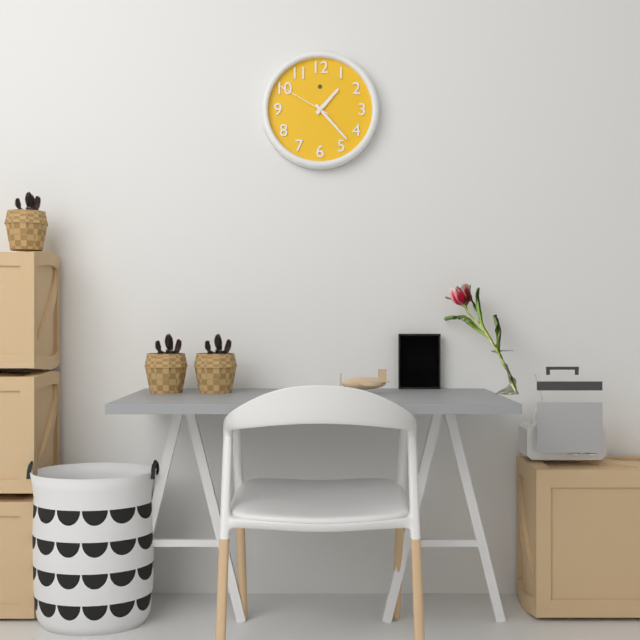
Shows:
1h23m50s
